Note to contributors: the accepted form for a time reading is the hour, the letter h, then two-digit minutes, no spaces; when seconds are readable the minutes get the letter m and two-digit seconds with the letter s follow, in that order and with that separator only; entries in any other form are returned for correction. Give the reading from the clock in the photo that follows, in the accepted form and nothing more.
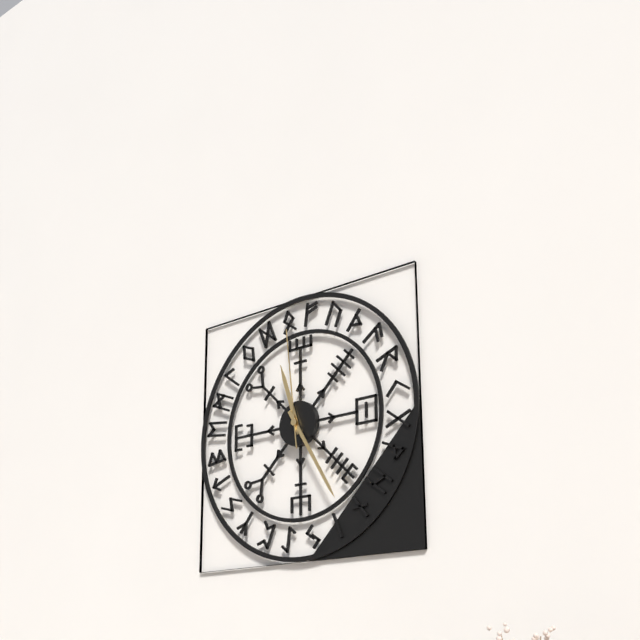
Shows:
11h25m59s
